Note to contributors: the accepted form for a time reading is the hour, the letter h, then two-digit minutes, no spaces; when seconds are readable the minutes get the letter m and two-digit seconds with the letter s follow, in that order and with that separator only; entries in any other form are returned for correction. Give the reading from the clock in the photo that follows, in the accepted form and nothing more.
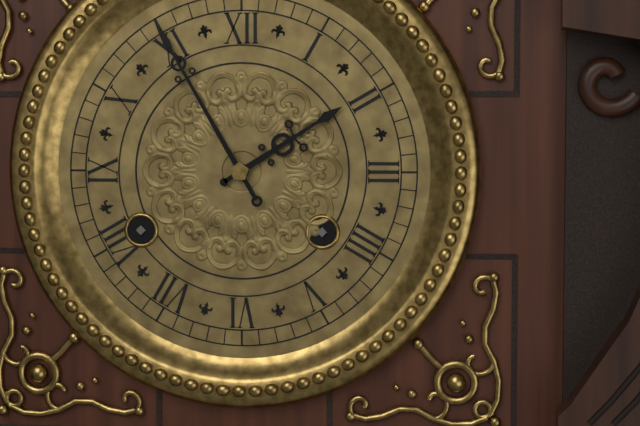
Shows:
1h55
